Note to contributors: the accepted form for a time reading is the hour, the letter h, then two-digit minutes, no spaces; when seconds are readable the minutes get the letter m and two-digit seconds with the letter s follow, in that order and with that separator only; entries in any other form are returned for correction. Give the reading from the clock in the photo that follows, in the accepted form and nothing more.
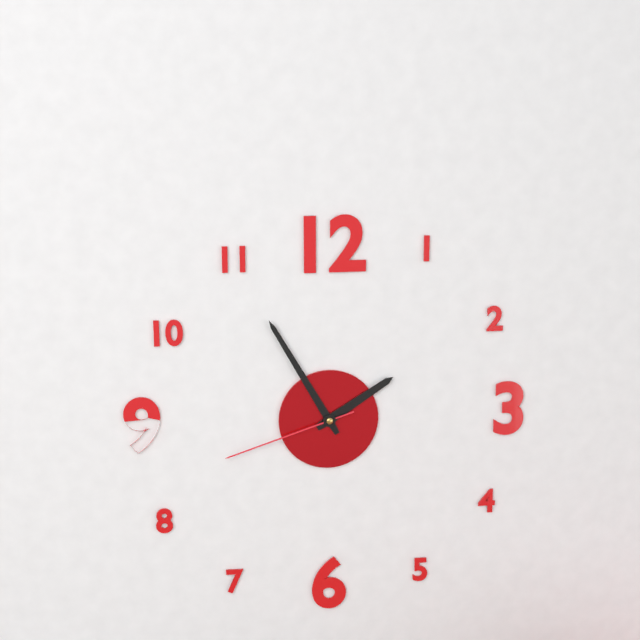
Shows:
1h55m42s
